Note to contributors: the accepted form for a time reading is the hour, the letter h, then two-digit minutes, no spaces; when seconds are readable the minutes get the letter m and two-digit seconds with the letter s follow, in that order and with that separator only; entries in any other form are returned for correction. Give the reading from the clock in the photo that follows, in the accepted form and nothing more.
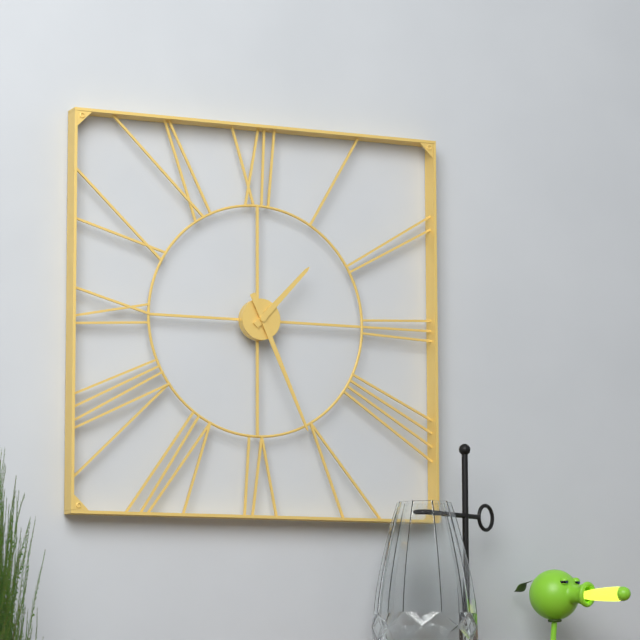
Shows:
1h26
